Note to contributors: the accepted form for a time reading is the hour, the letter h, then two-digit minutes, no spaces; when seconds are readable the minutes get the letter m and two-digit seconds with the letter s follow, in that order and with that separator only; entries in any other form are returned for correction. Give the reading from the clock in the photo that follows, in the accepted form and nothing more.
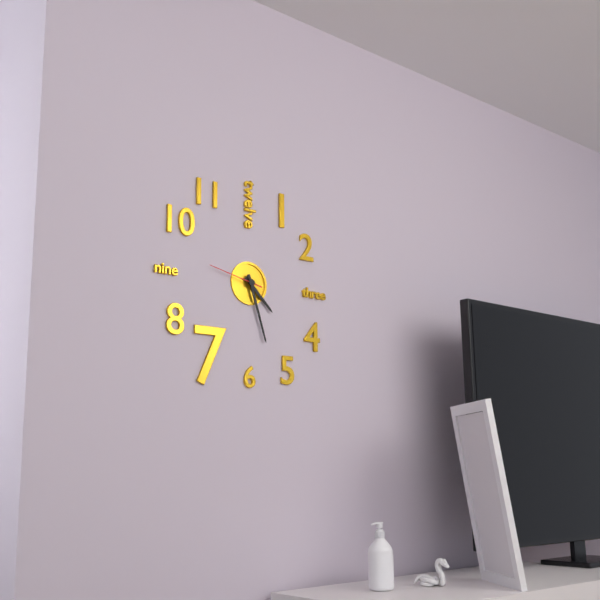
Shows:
4h27m47s
